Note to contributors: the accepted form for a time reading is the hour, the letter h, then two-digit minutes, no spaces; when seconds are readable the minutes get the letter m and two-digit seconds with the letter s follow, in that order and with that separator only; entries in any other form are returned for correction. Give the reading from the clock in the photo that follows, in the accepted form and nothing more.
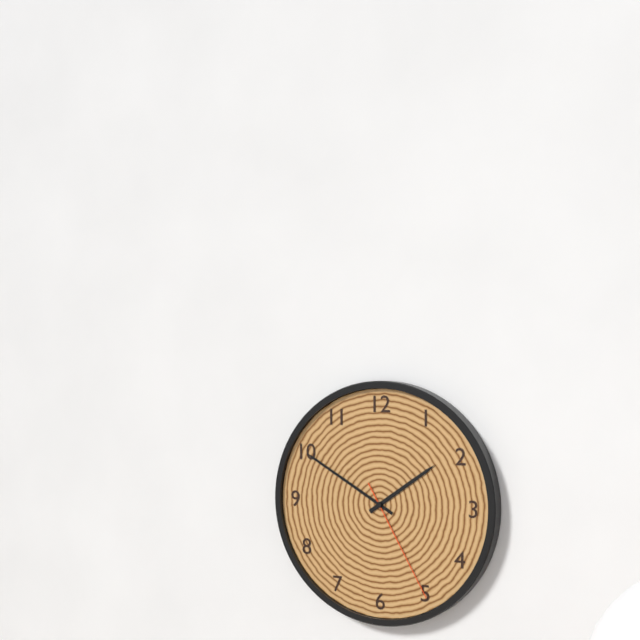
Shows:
1h50m25s
